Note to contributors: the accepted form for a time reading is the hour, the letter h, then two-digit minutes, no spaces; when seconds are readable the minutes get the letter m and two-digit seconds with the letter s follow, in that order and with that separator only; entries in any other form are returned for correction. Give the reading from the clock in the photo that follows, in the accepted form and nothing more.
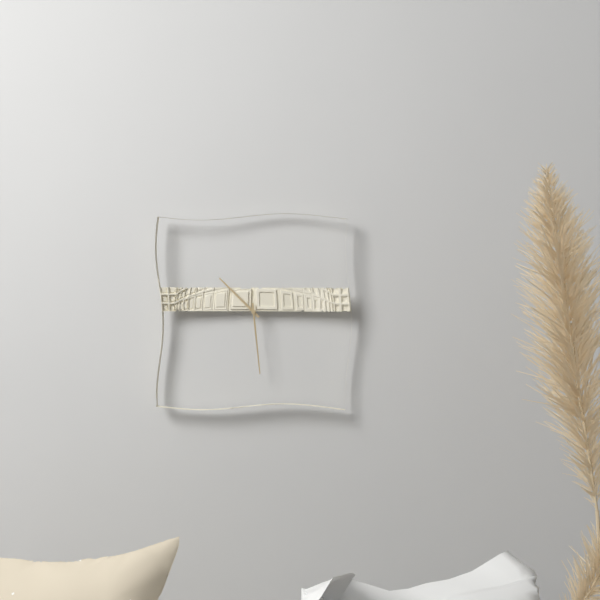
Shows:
10h29
